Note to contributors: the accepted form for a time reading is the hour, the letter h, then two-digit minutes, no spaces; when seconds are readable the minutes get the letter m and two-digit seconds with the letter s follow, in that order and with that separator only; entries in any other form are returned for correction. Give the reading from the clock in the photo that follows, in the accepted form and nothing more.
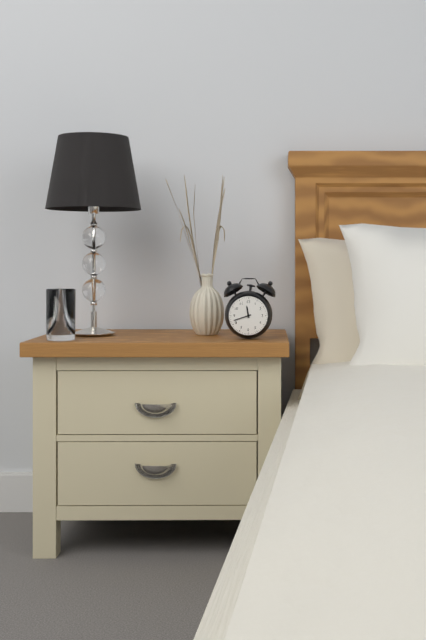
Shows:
11h42
